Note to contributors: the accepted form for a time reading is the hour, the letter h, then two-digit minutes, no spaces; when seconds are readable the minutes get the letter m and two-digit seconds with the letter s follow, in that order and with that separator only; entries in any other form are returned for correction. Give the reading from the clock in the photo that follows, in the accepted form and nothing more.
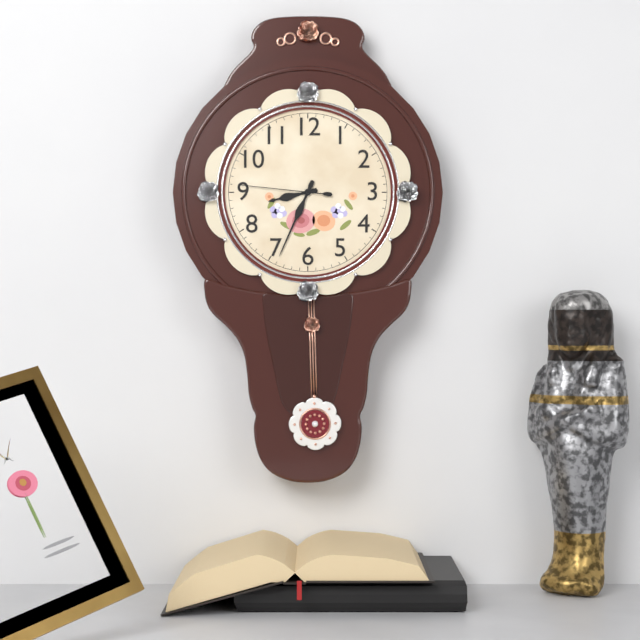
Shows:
8h34m46s
